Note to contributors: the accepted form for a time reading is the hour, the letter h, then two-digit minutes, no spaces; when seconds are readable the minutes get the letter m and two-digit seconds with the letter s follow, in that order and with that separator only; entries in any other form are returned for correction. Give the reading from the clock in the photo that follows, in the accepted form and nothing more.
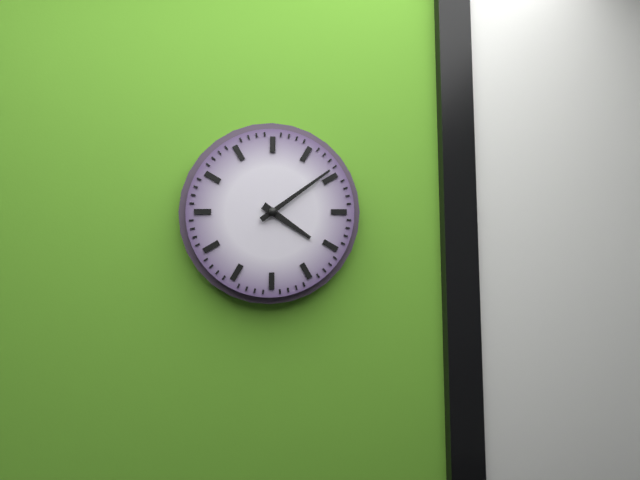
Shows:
4h09
